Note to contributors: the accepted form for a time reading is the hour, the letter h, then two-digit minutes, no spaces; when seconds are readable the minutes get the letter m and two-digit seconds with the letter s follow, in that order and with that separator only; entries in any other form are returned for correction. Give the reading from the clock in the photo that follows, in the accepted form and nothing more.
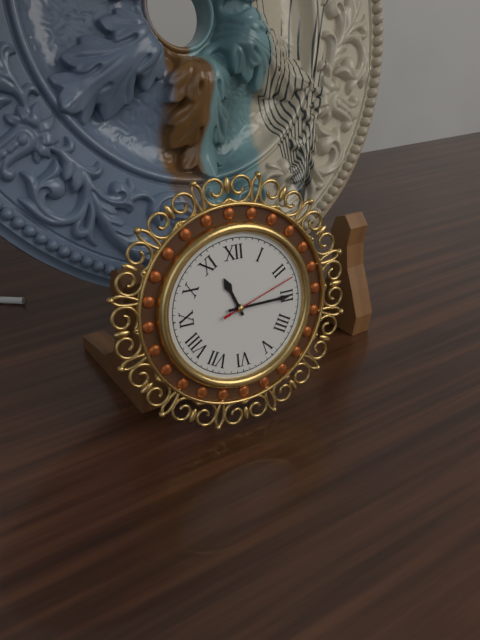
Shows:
11h15m12s
